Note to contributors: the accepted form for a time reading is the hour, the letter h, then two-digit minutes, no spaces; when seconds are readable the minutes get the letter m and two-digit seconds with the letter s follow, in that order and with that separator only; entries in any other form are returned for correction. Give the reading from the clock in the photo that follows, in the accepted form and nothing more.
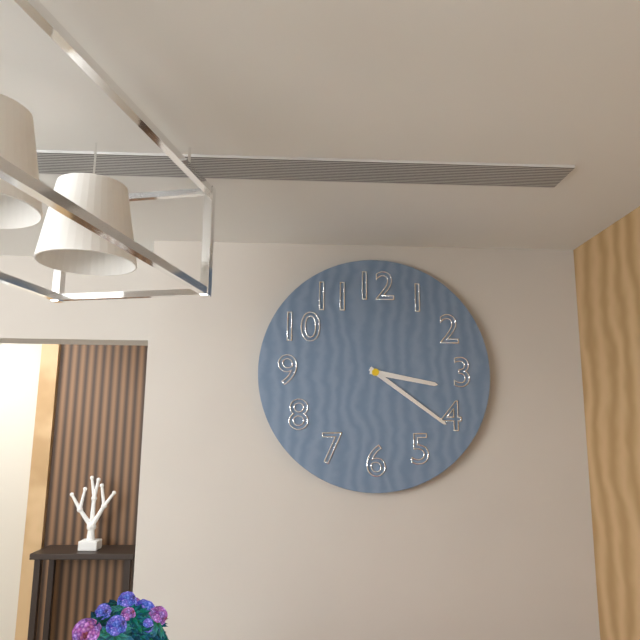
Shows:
3h21
